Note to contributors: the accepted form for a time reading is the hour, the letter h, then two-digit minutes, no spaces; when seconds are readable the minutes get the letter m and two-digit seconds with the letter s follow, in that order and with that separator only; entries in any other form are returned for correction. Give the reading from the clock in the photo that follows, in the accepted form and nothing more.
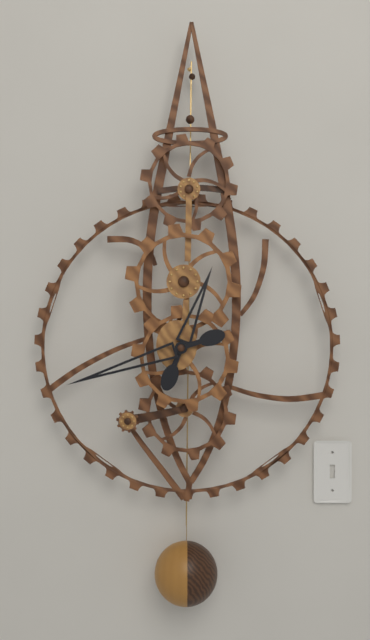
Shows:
12h42
